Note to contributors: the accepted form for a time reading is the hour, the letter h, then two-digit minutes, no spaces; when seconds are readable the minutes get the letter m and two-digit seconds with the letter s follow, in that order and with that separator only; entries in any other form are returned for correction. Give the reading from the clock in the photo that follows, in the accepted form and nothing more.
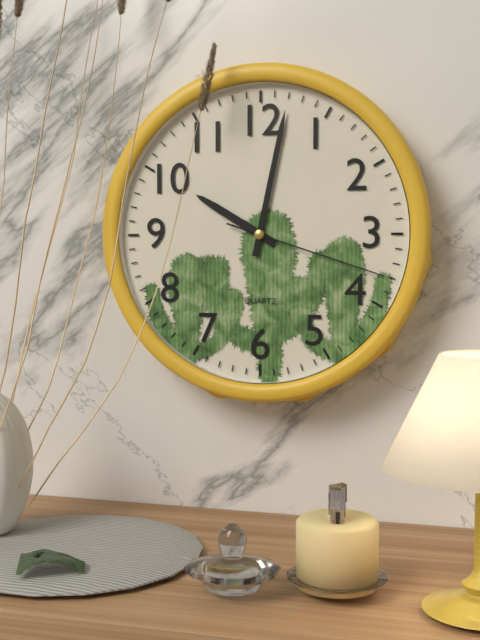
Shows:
10h02m18s
